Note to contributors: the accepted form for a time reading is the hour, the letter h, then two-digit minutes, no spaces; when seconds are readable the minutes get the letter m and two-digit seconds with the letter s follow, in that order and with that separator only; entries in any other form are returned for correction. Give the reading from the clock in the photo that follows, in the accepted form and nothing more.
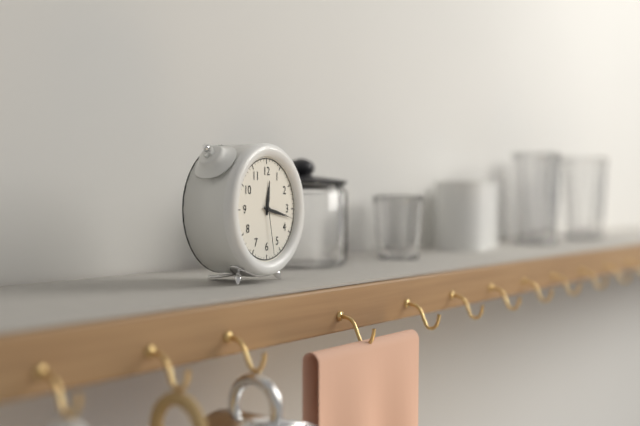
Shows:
12h17m28s
